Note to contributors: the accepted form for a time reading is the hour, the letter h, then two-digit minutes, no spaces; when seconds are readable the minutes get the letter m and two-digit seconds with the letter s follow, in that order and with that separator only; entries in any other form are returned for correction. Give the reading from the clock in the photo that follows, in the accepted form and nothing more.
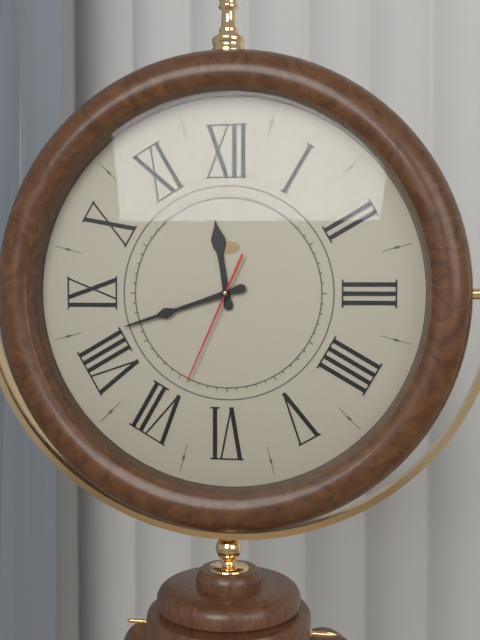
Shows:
11h42m34s
